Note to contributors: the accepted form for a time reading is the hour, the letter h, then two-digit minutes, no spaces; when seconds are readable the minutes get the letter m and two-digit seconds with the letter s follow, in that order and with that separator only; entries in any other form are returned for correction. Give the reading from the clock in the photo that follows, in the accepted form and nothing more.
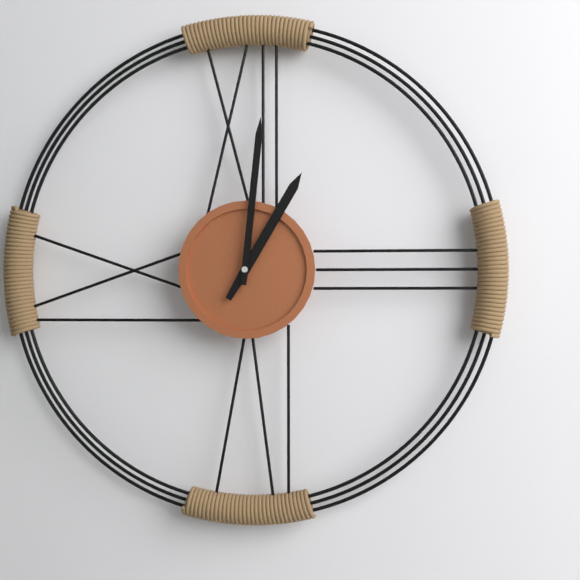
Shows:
1h01
